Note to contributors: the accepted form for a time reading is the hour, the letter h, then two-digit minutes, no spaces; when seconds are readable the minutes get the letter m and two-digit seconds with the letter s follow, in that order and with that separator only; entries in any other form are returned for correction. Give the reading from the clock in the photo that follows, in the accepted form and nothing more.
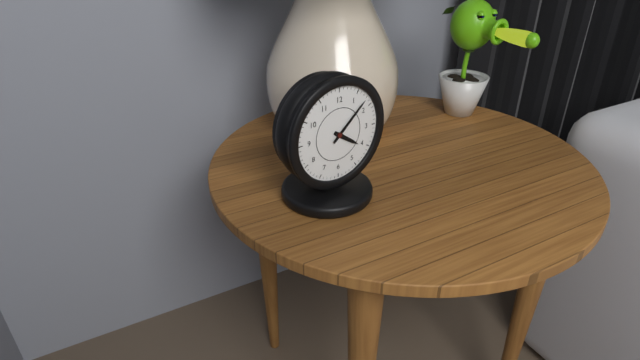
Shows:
4h08
